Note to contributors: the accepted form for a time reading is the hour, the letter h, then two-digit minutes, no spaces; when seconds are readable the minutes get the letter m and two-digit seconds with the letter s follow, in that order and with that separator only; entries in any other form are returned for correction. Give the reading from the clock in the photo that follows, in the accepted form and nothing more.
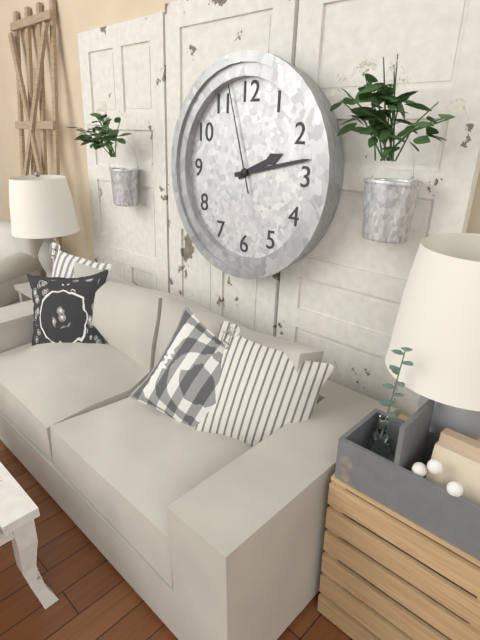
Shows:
2h13m57s
